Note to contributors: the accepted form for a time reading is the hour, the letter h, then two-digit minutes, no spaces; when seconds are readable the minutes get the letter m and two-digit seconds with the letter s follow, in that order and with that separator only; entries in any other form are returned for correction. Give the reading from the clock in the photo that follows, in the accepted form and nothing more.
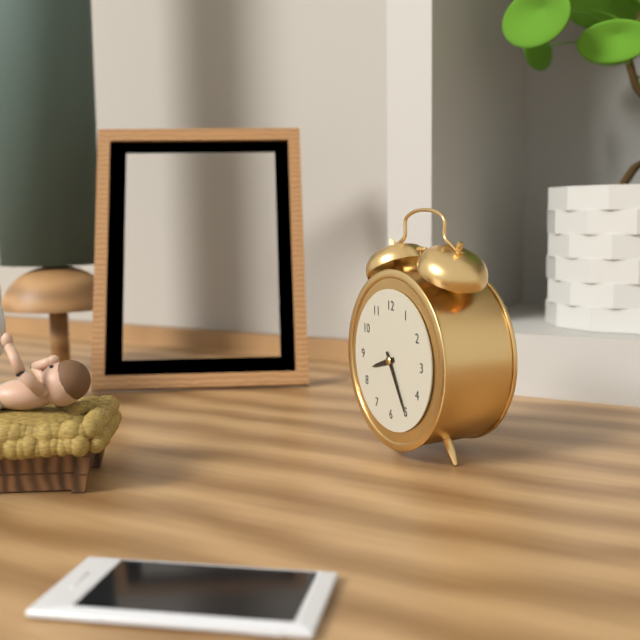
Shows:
8h25
